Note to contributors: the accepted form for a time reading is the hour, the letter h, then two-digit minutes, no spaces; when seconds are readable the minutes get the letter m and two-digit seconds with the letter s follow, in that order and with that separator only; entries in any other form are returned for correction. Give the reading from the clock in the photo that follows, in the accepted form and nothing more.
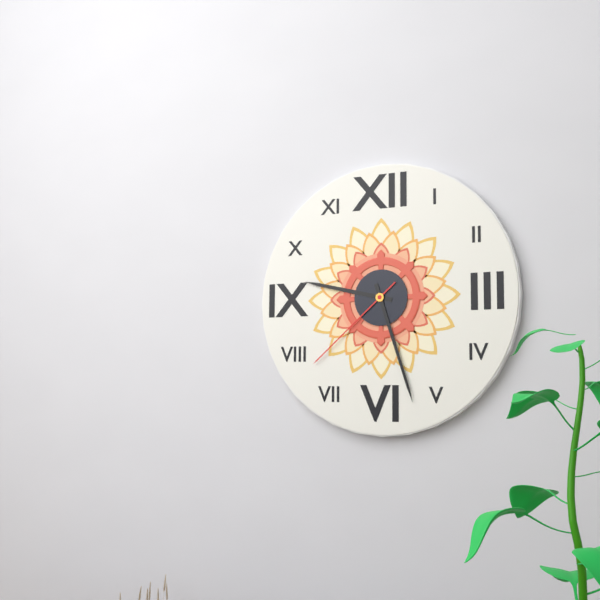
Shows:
9h27m38s
